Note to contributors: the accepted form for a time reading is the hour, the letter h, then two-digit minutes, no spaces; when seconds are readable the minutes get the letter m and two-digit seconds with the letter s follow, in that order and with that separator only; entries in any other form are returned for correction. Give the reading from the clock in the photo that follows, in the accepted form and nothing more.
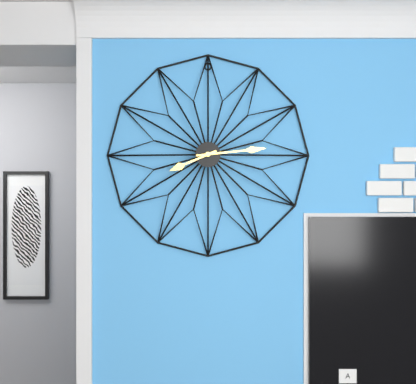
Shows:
8h14
